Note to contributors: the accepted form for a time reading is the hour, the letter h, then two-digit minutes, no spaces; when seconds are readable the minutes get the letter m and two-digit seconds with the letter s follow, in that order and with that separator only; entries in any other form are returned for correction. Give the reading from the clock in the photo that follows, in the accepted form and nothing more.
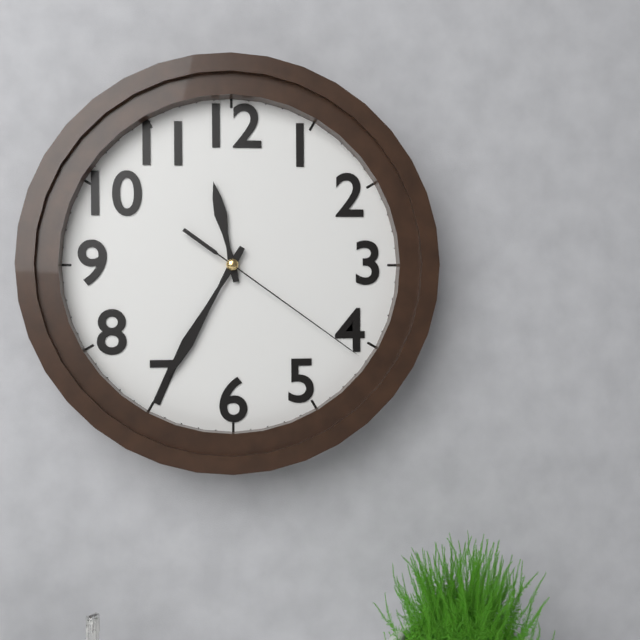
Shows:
11h35m21s
